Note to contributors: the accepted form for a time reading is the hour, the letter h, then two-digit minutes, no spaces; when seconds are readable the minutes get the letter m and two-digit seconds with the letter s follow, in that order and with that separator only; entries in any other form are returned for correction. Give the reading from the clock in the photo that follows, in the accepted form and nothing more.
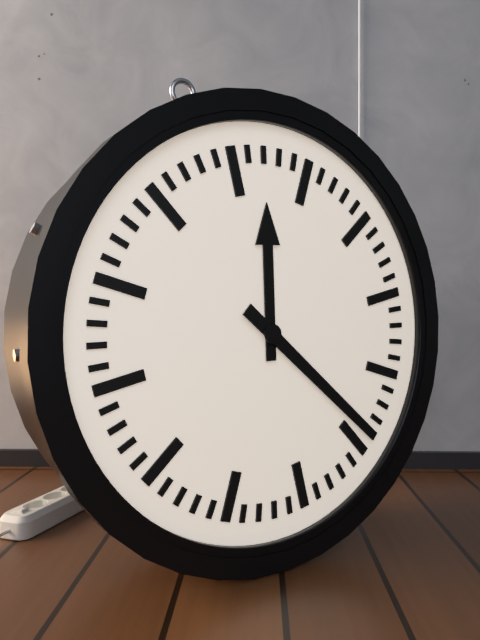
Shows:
12h24
